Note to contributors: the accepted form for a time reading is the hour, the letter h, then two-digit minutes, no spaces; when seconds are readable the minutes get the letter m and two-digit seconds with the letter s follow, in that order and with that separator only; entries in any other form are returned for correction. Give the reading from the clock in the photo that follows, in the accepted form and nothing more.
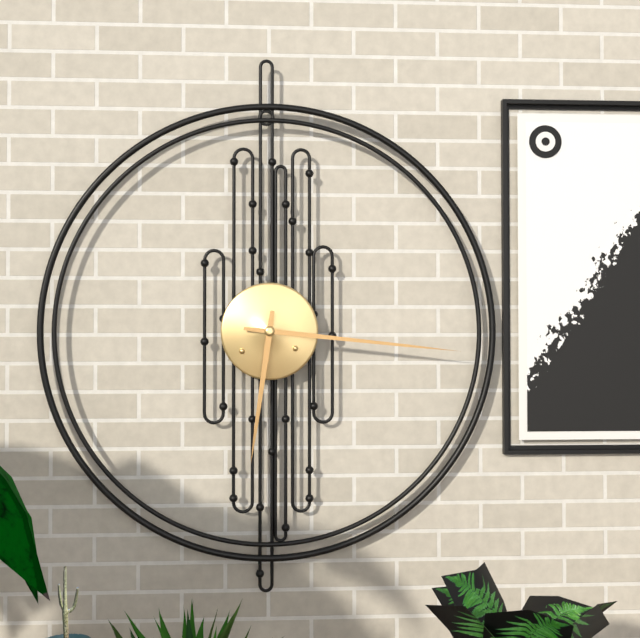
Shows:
6h16
